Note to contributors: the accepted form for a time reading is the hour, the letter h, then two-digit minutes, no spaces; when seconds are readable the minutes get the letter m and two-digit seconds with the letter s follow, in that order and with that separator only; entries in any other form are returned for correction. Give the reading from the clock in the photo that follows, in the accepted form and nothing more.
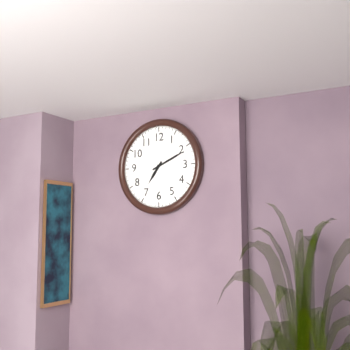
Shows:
7h11
